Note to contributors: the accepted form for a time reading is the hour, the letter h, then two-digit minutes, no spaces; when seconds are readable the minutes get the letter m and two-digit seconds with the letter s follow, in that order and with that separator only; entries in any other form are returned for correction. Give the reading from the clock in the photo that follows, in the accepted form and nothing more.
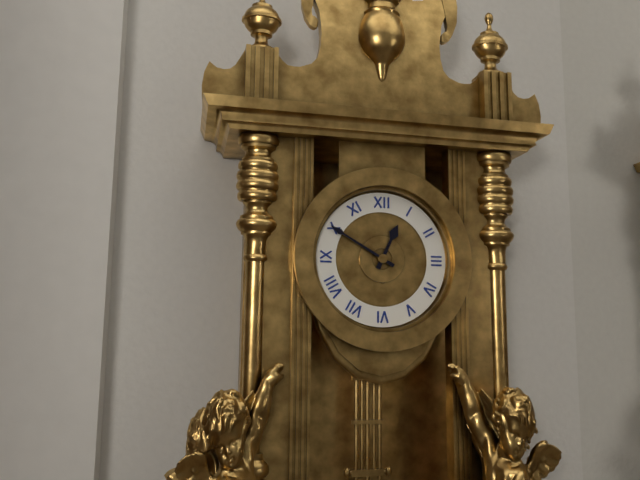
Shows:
12h50
